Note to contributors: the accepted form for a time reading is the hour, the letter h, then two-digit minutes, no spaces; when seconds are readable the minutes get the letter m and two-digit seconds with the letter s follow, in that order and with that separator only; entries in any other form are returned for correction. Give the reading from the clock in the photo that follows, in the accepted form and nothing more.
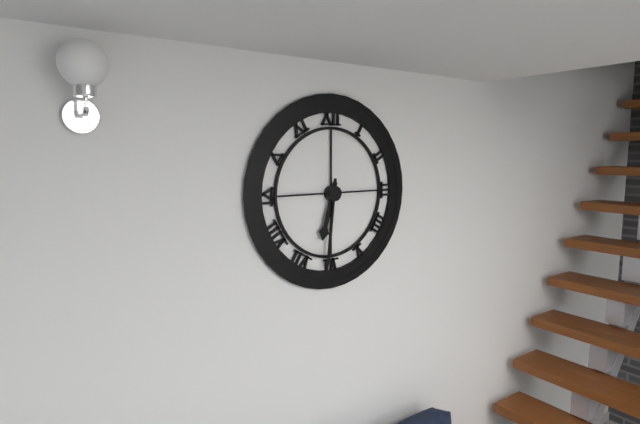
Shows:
6h31
